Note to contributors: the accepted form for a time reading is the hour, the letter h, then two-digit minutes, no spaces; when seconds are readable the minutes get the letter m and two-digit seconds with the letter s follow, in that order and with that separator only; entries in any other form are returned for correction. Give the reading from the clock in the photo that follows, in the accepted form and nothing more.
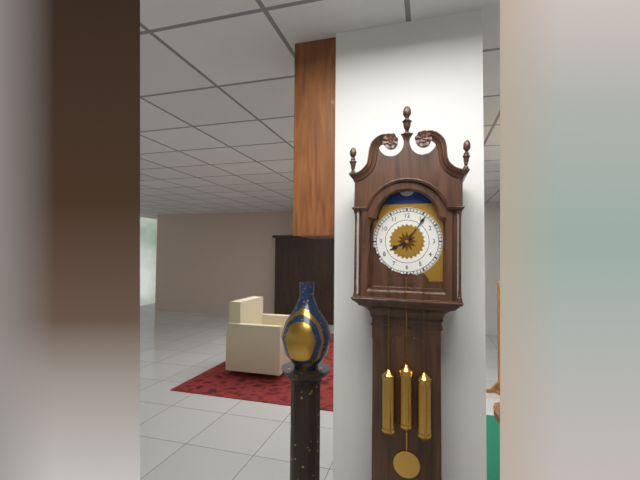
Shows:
8h06
